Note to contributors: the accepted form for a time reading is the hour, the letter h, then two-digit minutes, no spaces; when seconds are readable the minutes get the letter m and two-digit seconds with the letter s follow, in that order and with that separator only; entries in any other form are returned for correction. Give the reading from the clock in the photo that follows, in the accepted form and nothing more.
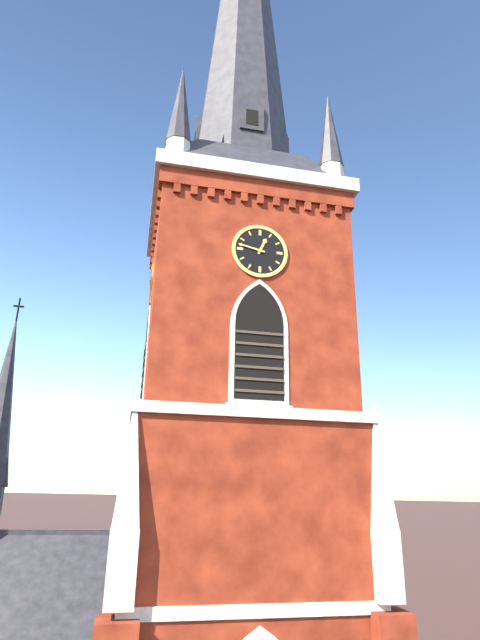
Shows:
12h47
